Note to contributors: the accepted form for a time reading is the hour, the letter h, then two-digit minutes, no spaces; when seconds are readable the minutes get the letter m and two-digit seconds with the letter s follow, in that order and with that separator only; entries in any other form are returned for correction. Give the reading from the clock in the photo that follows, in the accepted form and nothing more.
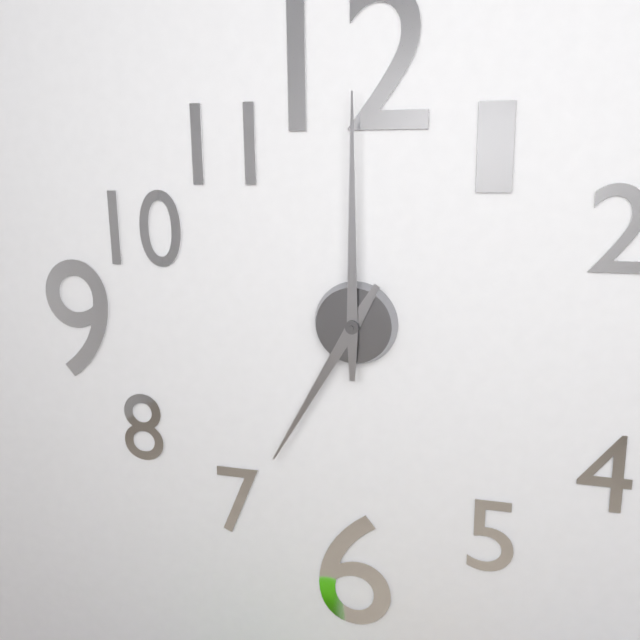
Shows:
7h00
